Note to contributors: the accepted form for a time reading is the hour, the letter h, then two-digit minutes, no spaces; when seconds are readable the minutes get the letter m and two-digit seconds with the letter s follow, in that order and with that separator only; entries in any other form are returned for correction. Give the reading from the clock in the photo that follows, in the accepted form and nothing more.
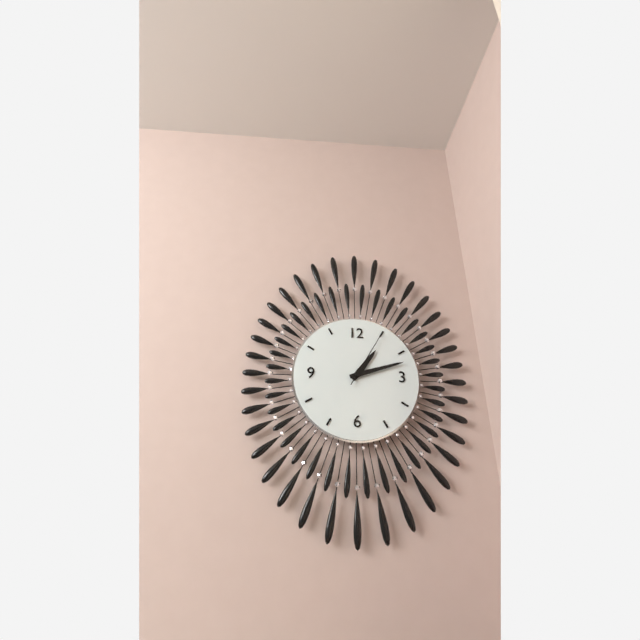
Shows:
1h12m05s
